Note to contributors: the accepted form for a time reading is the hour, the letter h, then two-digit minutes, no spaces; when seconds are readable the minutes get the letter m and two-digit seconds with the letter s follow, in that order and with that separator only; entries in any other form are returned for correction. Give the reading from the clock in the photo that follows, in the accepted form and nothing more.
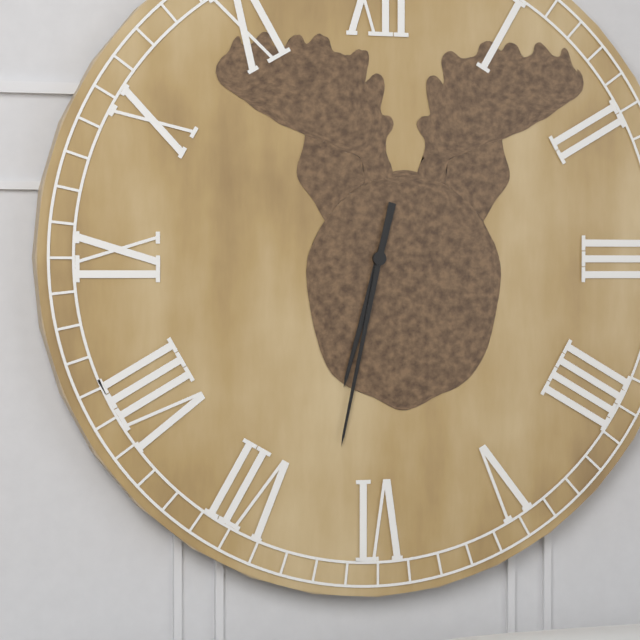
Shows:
6h32
